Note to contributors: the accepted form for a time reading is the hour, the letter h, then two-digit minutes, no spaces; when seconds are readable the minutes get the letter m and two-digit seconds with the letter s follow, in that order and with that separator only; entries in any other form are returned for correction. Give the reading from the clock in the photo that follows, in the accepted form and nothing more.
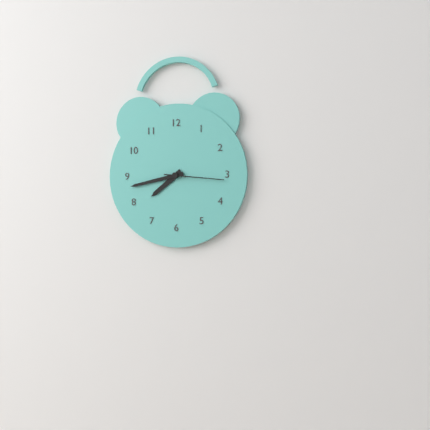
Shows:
7h43m16s
